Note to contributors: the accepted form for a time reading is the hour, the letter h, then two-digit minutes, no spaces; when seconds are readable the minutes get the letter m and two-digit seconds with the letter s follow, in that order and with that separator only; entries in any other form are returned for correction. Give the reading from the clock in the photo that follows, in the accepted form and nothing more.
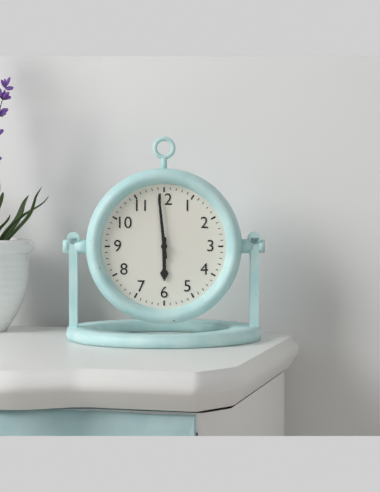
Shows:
5h59
